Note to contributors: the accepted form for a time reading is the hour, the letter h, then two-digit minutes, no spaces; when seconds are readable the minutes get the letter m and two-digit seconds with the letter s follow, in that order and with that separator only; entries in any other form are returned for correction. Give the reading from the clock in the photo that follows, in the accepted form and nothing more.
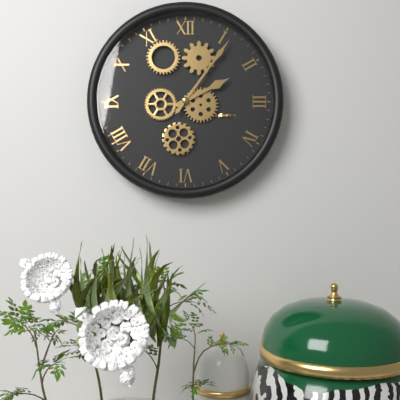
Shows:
2h06
